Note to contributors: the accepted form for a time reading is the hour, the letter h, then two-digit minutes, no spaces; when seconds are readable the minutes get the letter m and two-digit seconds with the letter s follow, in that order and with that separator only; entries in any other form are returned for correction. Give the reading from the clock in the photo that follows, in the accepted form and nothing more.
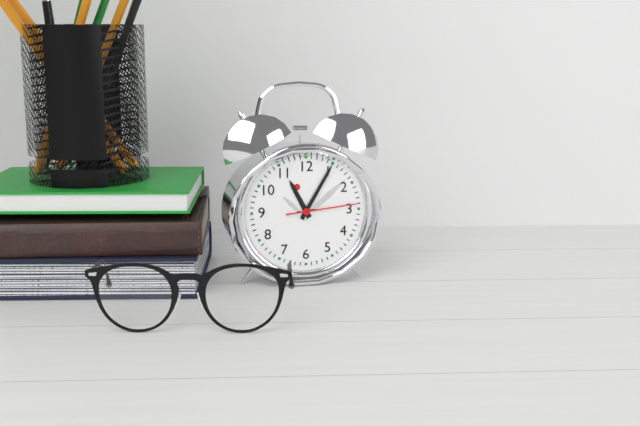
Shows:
11h05m14s
